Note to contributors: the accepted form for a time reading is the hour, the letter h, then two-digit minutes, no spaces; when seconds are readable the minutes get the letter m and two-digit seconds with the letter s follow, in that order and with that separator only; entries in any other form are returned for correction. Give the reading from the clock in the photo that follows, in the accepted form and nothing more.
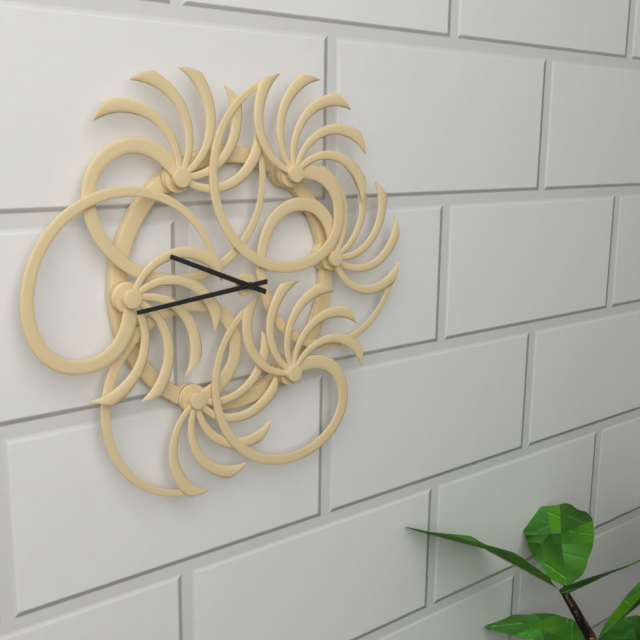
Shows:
9h44
